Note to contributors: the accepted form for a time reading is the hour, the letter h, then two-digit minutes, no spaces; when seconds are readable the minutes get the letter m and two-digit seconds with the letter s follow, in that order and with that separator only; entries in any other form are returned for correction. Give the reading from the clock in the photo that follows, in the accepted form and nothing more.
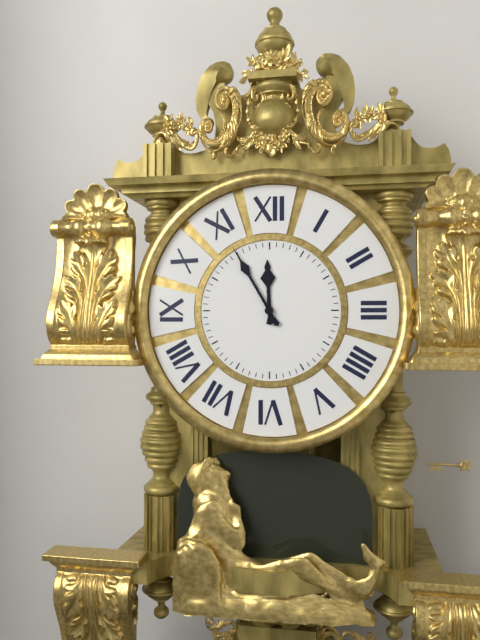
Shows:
11h55
